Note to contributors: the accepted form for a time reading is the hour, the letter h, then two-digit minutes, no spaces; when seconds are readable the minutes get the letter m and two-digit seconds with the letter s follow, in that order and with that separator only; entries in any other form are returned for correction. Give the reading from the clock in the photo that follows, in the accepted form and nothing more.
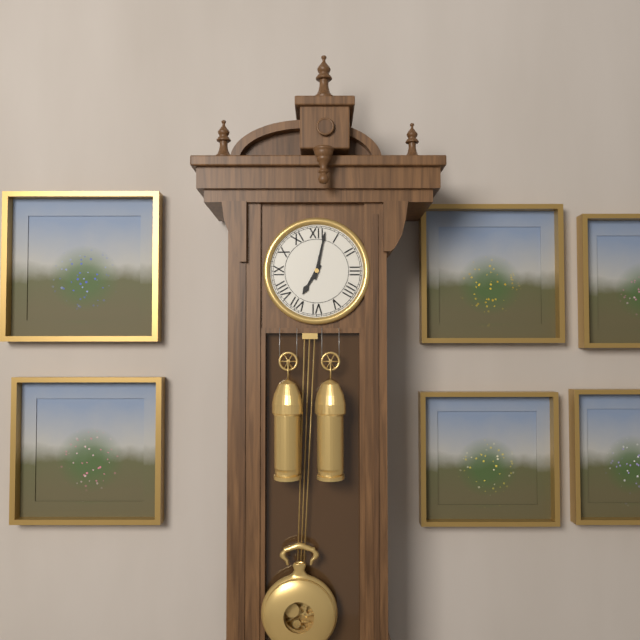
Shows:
7h02
